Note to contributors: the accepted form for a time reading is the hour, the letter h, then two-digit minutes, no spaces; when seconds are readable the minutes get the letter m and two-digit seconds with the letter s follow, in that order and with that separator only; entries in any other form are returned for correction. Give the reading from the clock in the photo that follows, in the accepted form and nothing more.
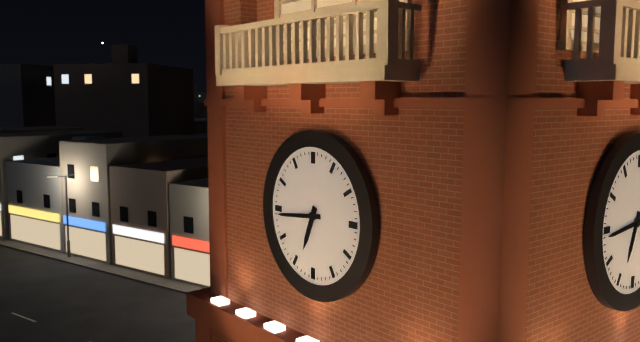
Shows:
6h44
